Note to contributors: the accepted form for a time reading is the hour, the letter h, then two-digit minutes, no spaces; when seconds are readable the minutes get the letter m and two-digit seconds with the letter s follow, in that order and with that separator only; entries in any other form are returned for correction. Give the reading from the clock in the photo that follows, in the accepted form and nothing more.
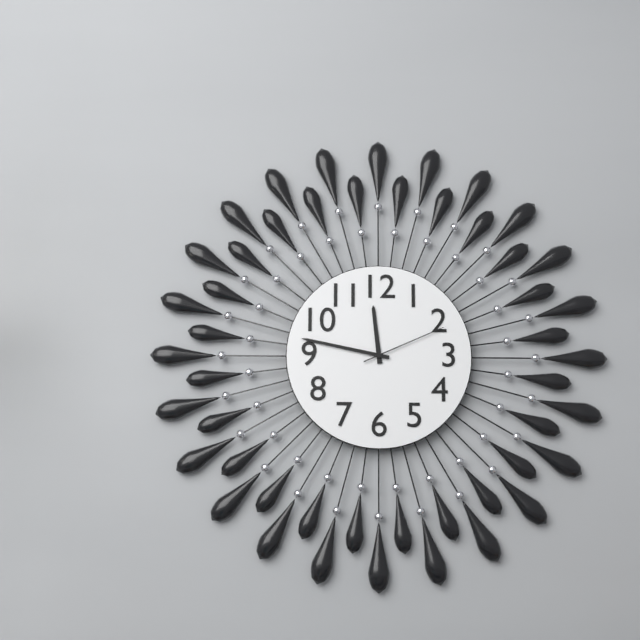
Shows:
11h47m11s
